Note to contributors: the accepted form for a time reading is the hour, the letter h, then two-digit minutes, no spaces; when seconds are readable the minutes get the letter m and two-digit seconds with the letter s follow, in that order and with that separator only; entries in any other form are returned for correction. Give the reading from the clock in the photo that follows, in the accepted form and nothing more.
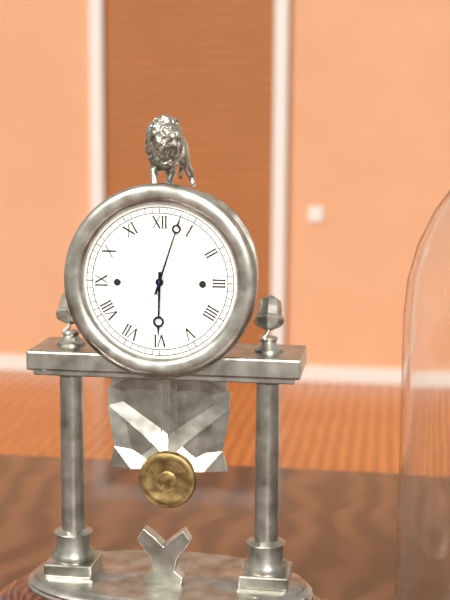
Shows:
6h03
